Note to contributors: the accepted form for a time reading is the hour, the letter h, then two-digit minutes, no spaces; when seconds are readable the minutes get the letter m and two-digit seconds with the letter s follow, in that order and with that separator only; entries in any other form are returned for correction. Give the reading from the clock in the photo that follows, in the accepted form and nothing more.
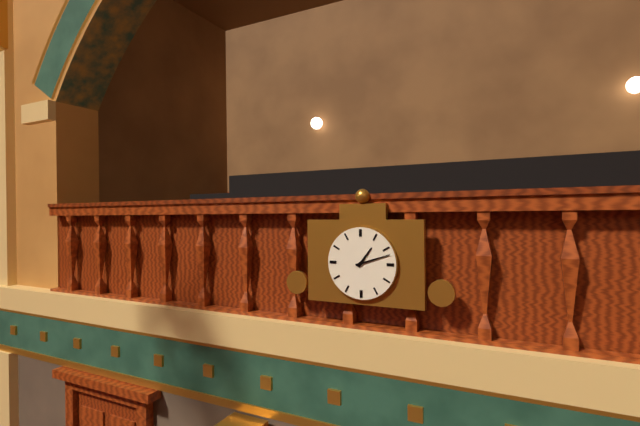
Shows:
1h12
